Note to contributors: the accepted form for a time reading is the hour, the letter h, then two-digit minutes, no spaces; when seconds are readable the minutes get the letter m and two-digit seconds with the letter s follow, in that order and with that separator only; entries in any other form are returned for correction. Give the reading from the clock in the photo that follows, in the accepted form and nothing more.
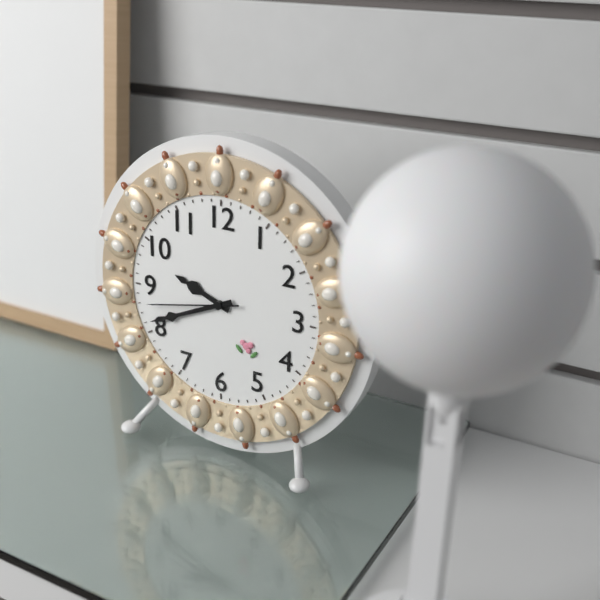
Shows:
9h41m43s
